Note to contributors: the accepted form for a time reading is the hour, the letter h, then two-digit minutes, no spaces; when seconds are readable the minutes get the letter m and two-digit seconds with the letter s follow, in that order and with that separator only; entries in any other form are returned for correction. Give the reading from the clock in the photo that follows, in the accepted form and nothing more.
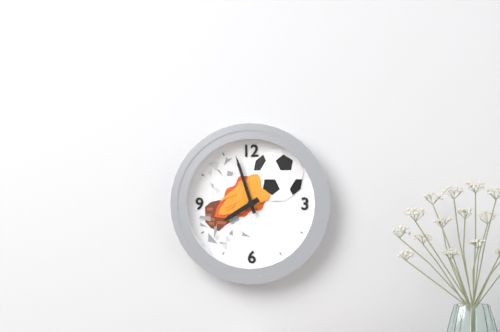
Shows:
7h57
